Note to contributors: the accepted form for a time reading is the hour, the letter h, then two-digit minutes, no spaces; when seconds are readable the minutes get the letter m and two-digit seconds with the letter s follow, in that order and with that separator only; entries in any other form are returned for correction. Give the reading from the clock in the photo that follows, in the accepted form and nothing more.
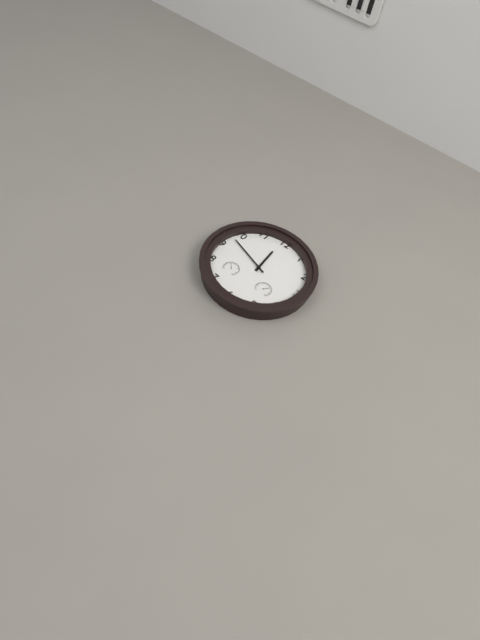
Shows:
11h48
